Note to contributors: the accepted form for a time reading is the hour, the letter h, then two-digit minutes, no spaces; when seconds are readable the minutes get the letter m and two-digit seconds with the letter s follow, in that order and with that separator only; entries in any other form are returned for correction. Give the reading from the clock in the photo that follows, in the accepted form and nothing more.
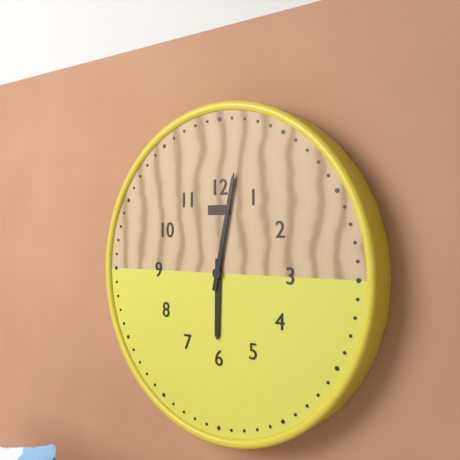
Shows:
6h02
